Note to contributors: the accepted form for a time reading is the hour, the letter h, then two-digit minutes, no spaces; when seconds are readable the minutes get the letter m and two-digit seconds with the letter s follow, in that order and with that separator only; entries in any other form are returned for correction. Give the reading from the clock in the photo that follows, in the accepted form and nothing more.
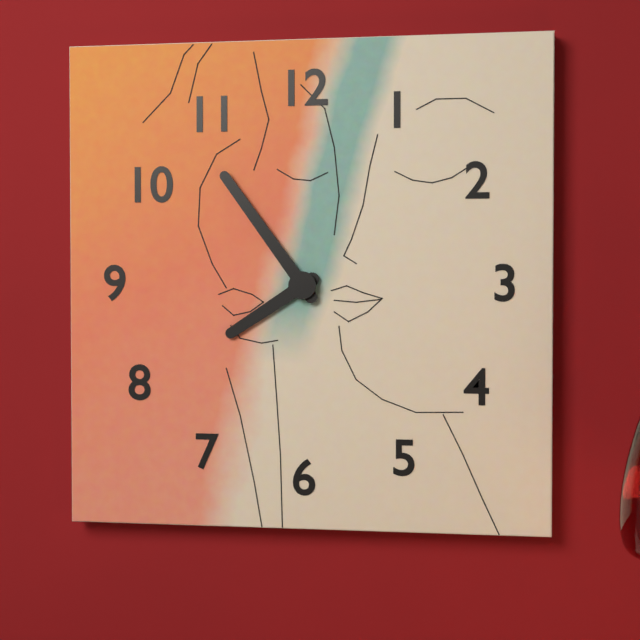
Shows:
7h54
